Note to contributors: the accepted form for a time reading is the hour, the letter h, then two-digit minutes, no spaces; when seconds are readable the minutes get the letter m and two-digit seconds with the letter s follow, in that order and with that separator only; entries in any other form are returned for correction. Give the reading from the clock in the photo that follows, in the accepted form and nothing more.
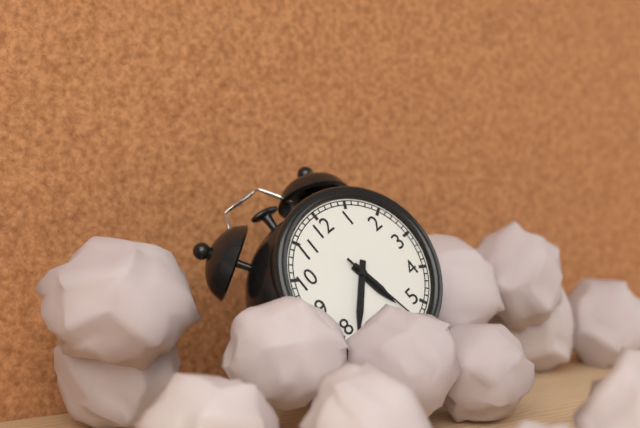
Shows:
5h38m28s
